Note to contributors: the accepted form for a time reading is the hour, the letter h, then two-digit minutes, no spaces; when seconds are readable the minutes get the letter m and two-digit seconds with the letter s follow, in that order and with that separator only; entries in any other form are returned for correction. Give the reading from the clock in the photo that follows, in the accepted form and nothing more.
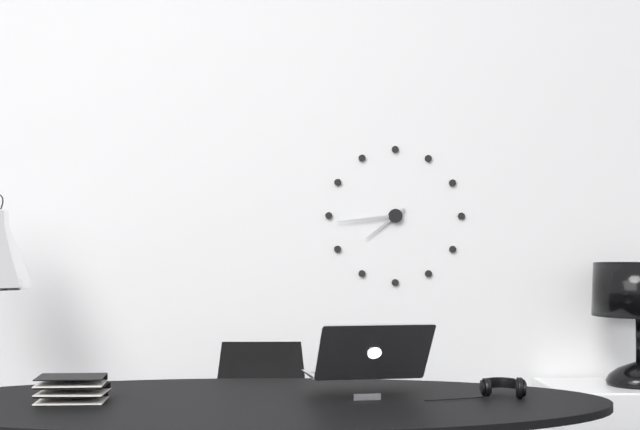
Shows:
7h44
